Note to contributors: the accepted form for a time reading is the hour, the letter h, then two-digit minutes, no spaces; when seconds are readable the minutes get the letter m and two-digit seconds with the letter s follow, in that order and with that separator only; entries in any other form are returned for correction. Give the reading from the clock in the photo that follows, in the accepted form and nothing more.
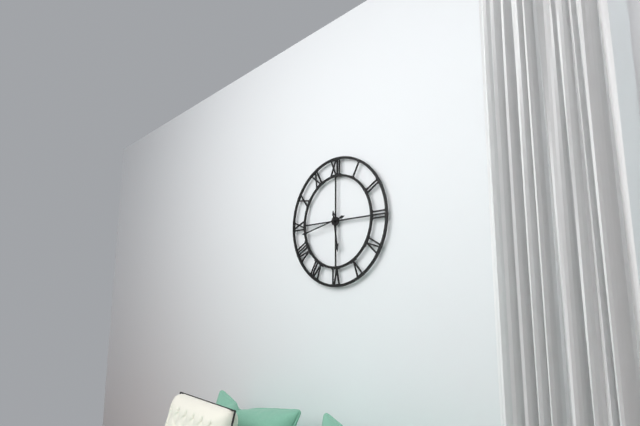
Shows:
5h43
